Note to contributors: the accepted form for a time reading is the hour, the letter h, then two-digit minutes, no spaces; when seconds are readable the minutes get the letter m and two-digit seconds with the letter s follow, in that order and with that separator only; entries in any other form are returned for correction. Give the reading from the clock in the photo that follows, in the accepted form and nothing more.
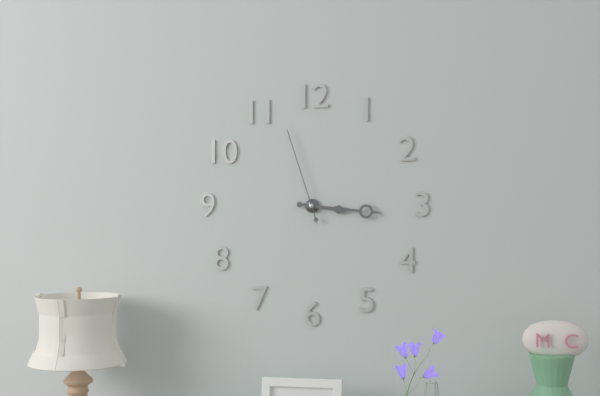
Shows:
3h16m57s
